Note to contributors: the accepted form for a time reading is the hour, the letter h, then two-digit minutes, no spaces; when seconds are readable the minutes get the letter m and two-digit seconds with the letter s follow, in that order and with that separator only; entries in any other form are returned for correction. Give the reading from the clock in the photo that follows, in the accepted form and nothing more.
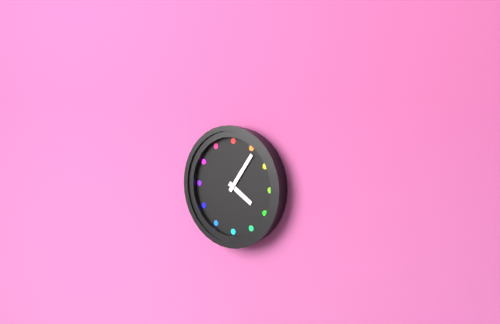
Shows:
4h06
